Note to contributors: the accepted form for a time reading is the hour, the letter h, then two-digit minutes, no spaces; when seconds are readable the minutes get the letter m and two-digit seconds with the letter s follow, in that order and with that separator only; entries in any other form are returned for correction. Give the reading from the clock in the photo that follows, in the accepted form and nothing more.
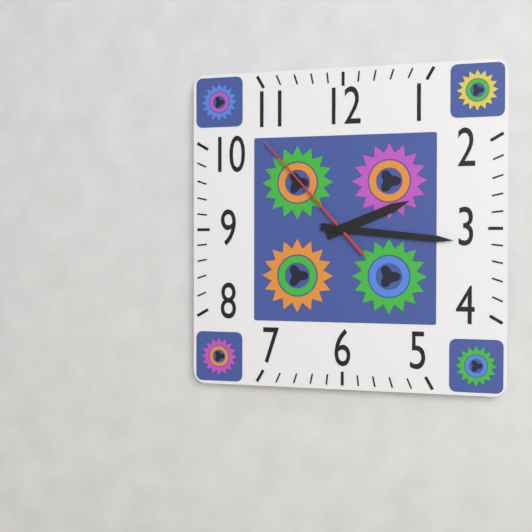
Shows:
2h16m53s
